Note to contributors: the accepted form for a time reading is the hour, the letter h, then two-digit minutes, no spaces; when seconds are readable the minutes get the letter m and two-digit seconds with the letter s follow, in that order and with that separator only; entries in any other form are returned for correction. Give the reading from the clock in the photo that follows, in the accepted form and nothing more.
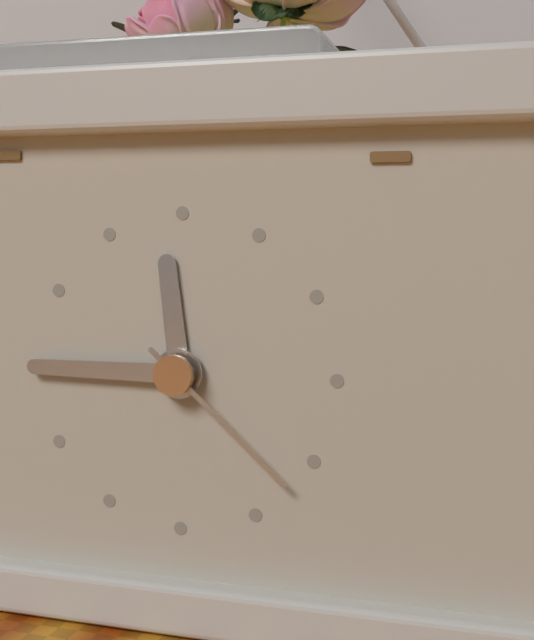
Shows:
11h45m22s
